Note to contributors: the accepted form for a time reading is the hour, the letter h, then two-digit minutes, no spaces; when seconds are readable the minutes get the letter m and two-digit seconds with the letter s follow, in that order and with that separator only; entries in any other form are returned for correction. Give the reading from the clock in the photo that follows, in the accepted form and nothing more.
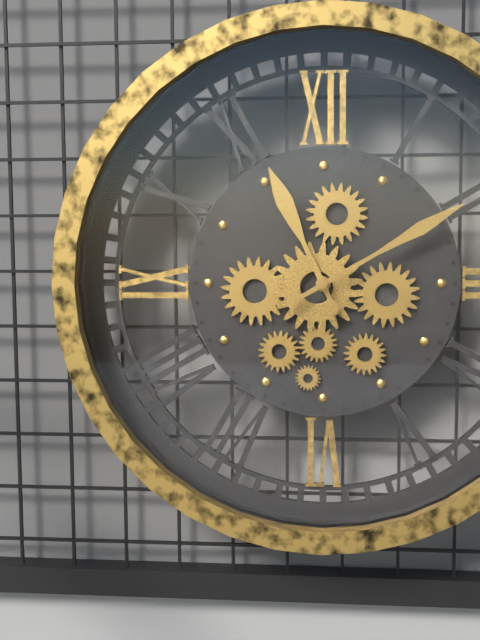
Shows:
11h10
